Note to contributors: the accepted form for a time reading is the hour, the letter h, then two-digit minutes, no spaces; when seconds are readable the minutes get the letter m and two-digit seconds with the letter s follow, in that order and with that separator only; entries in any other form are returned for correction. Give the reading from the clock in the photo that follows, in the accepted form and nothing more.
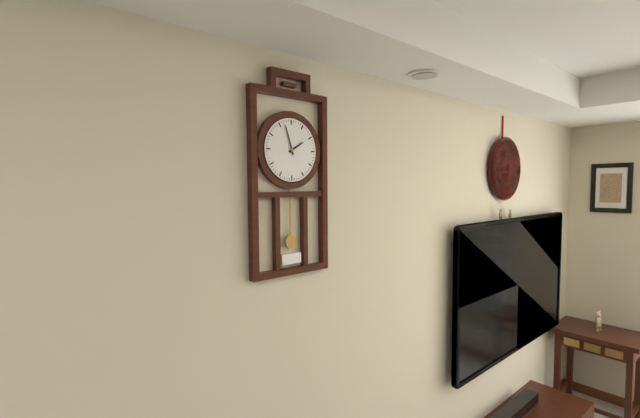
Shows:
1h57
